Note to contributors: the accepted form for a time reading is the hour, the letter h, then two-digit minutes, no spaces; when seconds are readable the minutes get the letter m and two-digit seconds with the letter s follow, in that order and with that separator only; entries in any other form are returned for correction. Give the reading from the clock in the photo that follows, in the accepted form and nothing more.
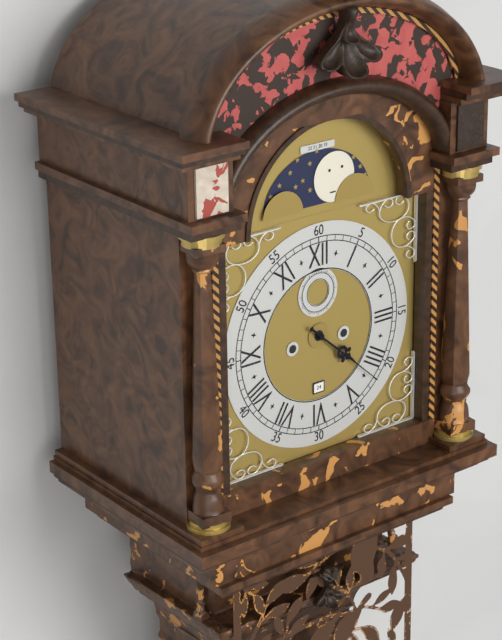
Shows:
4h22
